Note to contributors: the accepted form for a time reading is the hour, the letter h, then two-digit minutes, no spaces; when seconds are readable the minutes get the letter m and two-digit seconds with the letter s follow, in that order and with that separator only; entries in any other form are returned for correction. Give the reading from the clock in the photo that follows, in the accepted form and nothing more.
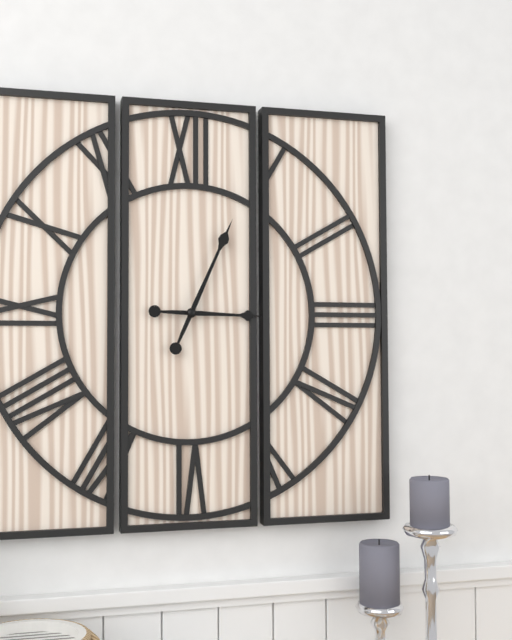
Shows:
3h04
